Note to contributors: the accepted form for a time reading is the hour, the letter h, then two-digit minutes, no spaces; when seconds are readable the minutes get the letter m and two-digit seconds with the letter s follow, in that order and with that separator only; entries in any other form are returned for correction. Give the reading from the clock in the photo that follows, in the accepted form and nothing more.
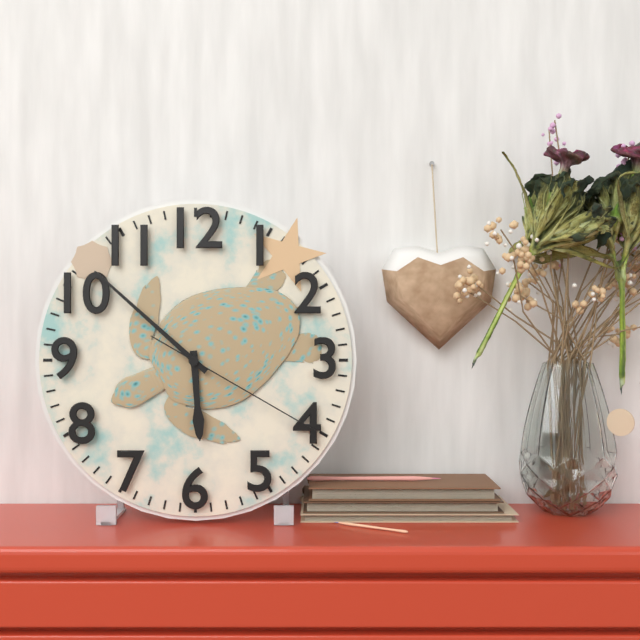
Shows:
5h52m20s
